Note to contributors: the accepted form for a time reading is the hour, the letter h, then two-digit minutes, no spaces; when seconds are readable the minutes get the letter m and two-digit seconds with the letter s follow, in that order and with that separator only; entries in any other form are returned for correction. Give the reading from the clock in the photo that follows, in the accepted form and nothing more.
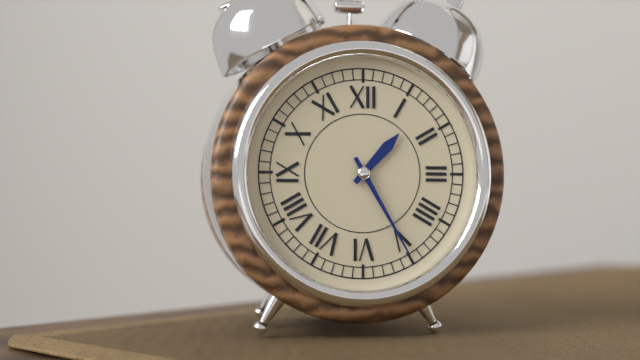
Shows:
1h25
